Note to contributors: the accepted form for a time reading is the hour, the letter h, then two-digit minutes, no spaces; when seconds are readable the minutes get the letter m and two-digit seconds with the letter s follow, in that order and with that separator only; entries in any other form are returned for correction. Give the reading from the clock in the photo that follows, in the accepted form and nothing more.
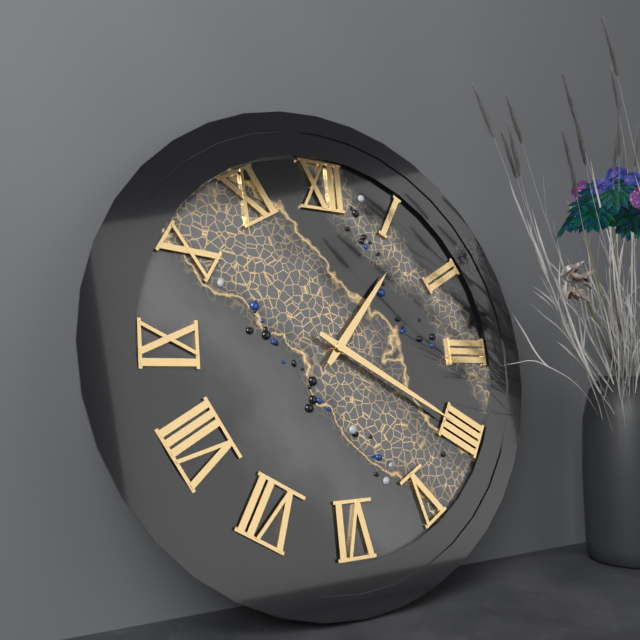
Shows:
1h20
